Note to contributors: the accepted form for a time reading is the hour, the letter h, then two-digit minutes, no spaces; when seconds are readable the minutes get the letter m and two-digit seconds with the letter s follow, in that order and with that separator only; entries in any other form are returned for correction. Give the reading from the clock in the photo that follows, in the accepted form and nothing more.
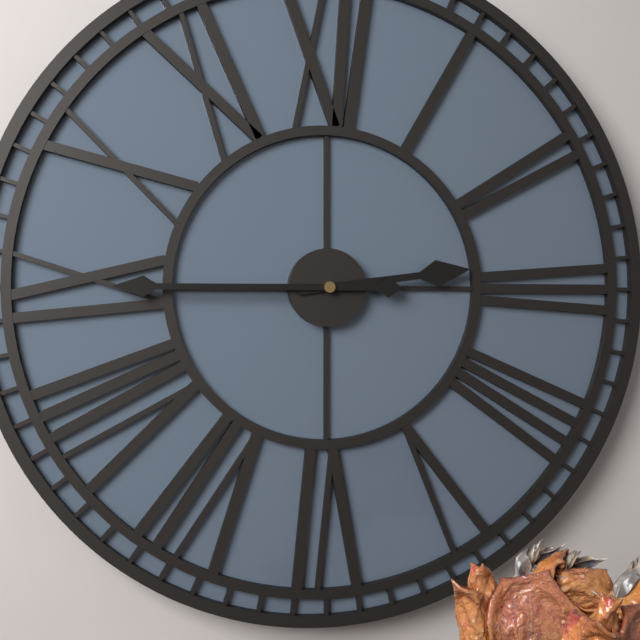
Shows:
2h45
